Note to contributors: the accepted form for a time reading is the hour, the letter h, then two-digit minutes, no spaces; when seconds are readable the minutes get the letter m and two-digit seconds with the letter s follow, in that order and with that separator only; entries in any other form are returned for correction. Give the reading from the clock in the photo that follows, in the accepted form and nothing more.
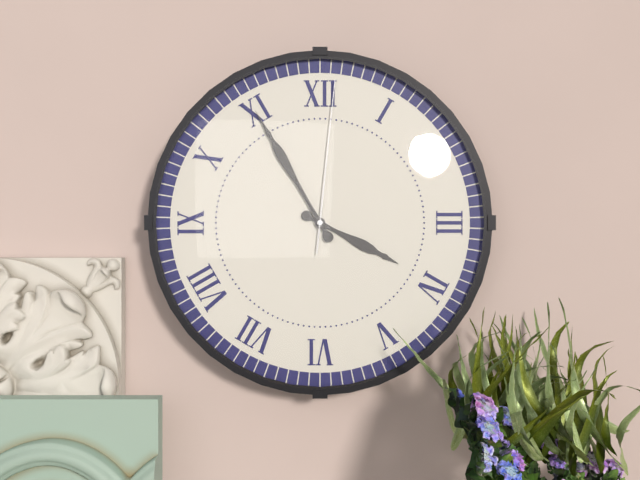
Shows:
3h55m01s
